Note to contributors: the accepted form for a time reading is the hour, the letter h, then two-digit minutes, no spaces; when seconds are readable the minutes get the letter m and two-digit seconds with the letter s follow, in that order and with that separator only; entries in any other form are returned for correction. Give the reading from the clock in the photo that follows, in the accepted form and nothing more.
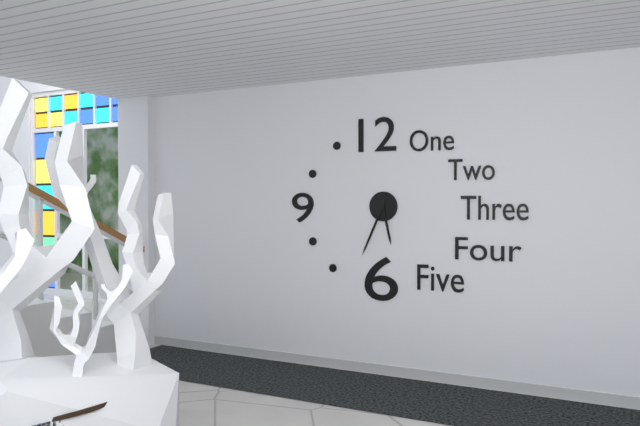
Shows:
5h34
